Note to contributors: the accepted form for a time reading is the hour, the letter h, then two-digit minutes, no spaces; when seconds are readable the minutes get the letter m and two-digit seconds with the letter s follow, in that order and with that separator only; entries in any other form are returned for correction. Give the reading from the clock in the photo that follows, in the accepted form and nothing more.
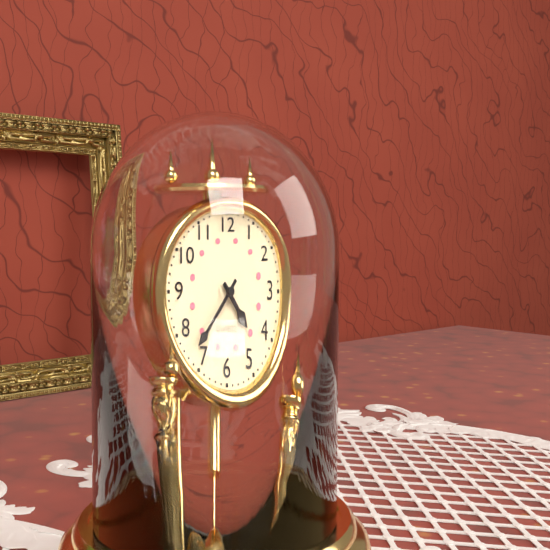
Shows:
4h37
